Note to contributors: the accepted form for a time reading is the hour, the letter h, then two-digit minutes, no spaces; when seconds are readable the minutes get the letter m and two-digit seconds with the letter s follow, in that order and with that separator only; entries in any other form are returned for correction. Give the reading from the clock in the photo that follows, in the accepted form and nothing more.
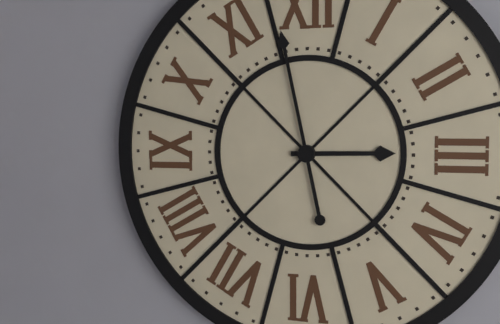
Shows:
2h58
